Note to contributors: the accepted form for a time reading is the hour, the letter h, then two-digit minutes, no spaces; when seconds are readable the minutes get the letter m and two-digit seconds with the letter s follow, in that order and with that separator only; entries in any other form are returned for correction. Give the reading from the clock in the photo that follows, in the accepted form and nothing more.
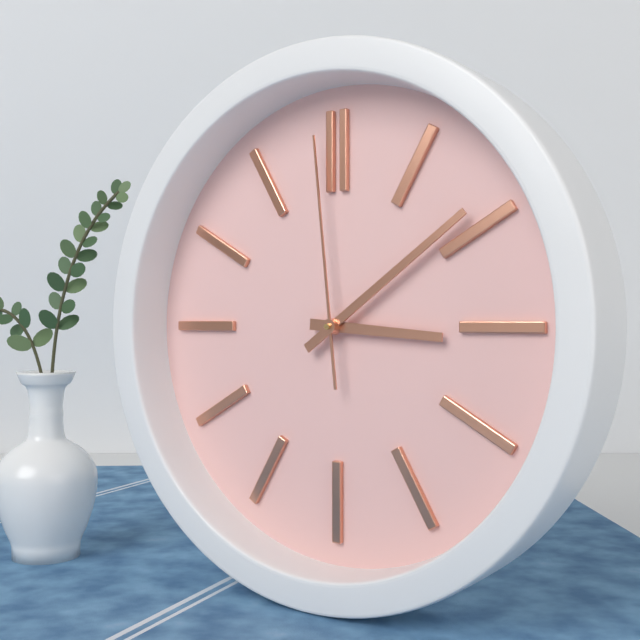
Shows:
3h09m59s
